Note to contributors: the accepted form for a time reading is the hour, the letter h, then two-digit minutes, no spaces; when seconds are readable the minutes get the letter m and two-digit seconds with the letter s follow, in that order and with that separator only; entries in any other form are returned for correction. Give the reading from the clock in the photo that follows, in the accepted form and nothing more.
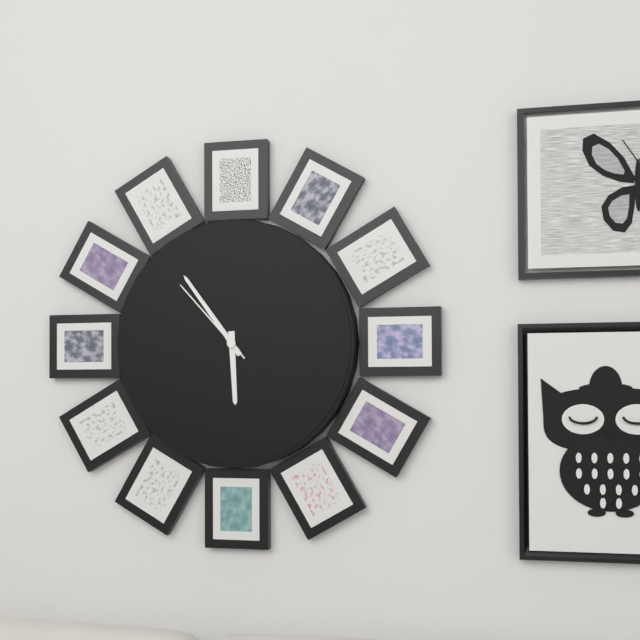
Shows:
5h54m53s
